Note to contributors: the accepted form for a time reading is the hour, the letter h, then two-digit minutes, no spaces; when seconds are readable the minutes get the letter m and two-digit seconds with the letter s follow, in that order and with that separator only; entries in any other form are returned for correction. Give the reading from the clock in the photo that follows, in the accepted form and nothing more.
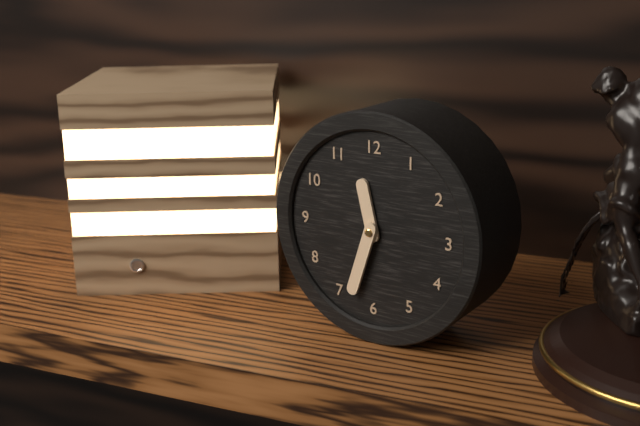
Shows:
11h33
